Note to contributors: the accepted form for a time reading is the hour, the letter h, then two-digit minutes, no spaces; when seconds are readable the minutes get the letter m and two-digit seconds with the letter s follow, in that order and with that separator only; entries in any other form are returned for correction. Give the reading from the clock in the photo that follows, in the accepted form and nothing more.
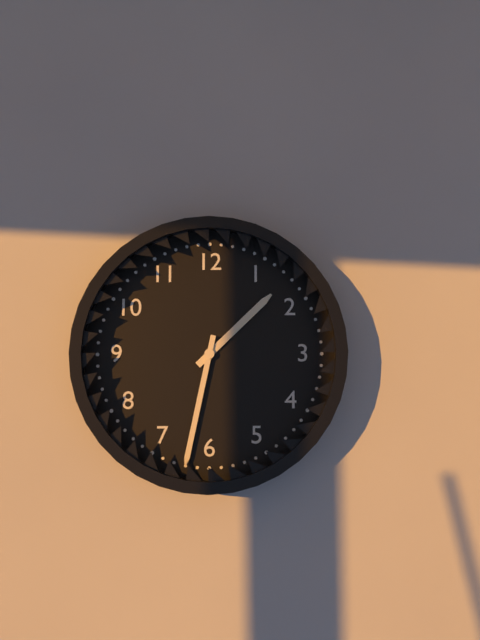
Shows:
1h32
